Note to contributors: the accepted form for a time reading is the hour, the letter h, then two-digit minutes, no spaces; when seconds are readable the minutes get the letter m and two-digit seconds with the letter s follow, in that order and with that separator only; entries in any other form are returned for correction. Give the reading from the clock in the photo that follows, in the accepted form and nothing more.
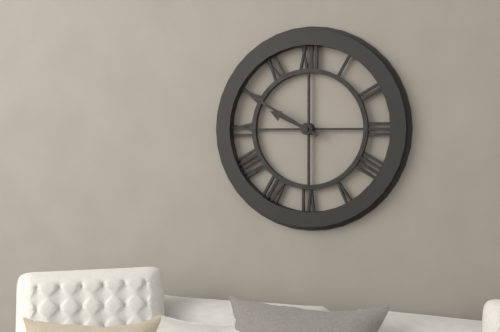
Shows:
9h50
